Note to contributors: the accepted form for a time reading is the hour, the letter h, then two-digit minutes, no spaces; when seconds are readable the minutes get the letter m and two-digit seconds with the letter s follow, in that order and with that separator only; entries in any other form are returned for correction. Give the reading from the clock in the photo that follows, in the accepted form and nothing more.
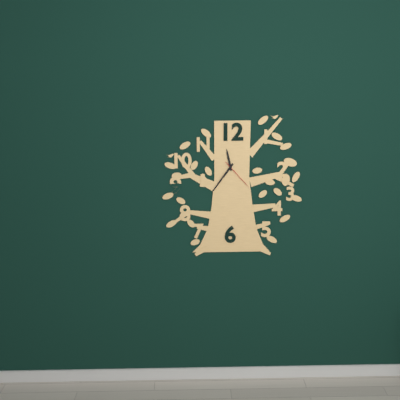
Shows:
11h36
